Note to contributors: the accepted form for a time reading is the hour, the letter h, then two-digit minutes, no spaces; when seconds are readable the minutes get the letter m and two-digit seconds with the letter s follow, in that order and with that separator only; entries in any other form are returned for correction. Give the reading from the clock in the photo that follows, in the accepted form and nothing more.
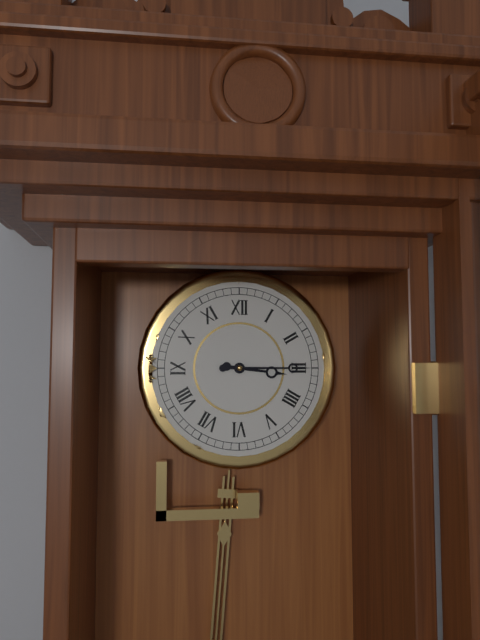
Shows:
3h15
